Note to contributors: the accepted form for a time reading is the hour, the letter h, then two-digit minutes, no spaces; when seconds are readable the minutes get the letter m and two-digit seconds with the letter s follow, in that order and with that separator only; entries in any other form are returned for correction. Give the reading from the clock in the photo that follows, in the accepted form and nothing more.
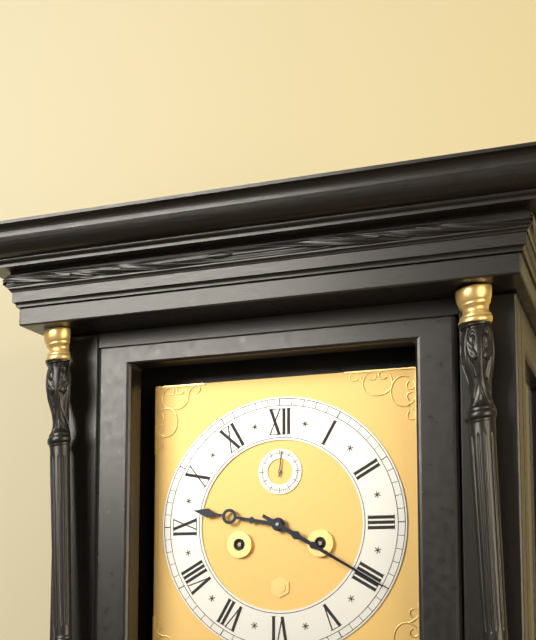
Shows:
9h20
